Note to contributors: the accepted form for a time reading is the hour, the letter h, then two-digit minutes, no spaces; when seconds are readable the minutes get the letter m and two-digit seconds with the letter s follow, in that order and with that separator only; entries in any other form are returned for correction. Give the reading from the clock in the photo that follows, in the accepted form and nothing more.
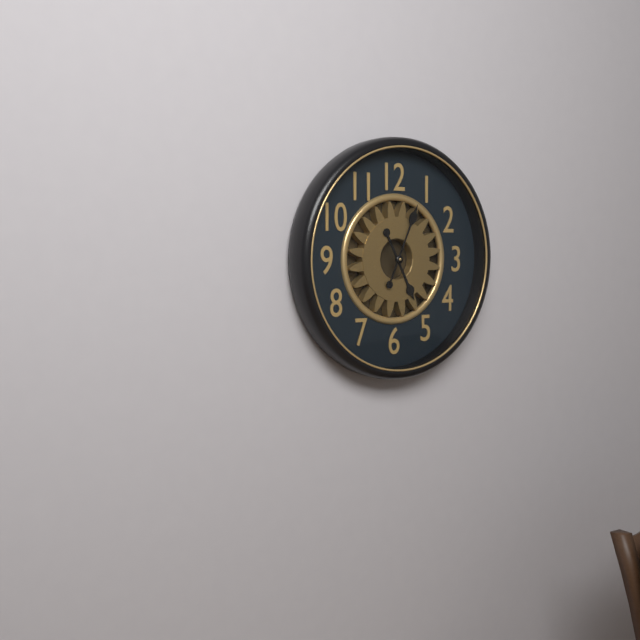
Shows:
5h04
